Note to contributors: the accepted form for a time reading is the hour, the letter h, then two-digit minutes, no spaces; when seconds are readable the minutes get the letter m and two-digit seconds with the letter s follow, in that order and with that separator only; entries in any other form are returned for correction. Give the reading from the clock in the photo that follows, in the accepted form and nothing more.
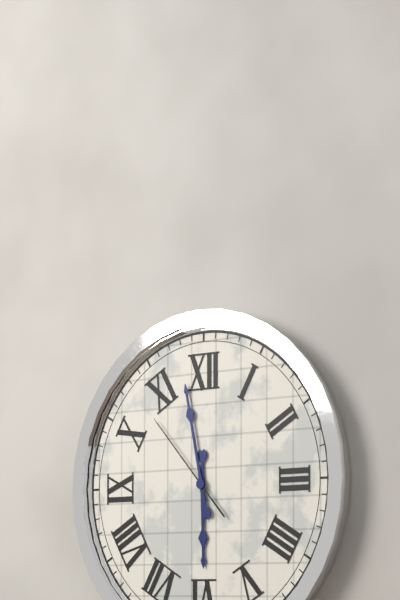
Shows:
5h58m53s
